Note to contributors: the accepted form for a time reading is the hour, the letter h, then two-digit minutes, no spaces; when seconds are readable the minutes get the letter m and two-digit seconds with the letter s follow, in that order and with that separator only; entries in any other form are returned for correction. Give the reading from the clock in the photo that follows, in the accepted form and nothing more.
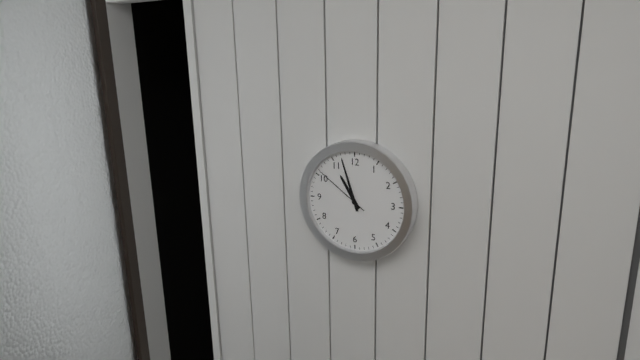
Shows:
10h57m51s
